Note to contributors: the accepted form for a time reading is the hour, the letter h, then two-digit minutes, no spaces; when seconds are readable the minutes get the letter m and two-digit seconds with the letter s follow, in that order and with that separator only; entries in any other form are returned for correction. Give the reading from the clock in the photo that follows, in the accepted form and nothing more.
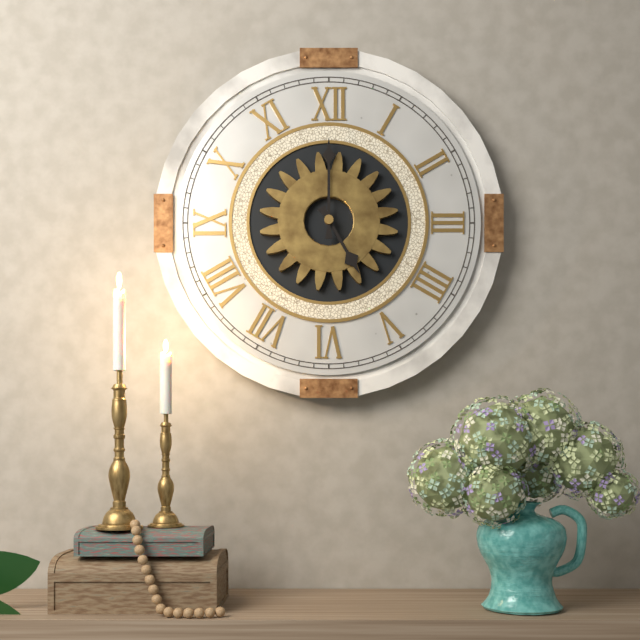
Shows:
5h00
